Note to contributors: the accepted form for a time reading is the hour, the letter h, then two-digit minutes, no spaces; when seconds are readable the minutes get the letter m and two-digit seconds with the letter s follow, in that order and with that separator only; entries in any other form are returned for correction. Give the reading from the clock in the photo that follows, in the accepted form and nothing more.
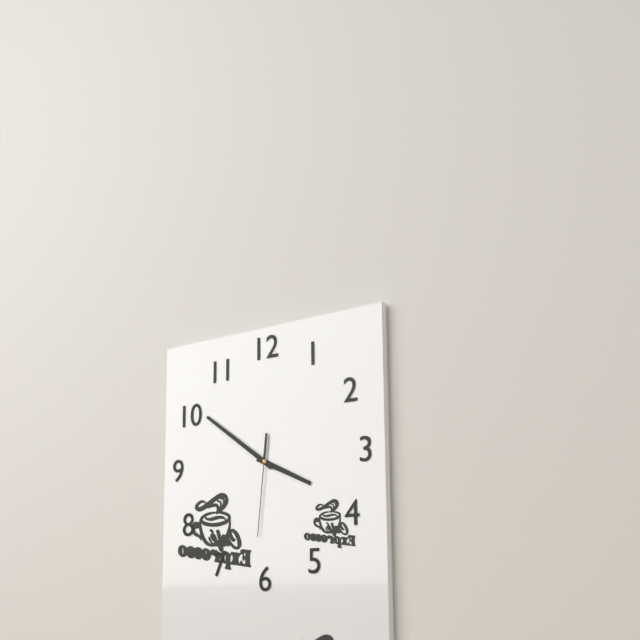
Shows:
3h51m31s
